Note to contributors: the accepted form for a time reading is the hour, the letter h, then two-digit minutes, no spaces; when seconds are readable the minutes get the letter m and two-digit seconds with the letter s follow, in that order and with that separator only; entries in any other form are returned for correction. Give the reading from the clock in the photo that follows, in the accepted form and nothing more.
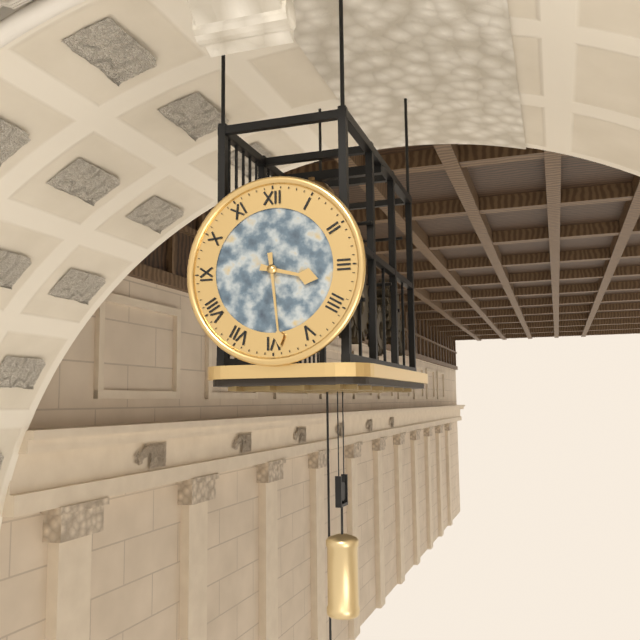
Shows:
3h29
